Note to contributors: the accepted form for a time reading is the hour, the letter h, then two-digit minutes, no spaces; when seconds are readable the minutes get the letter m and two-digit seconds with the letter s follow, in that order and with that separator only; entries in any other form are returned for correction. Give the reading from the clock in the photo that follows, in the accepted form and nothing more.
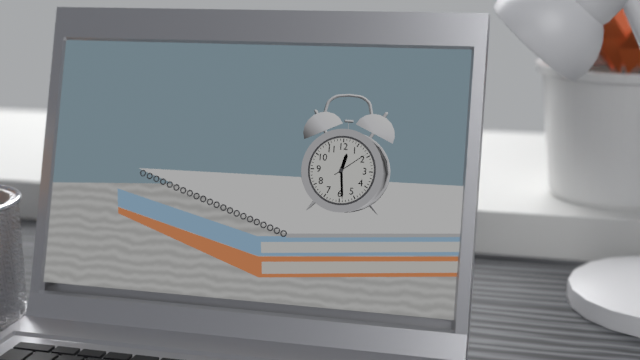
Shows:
12h29
